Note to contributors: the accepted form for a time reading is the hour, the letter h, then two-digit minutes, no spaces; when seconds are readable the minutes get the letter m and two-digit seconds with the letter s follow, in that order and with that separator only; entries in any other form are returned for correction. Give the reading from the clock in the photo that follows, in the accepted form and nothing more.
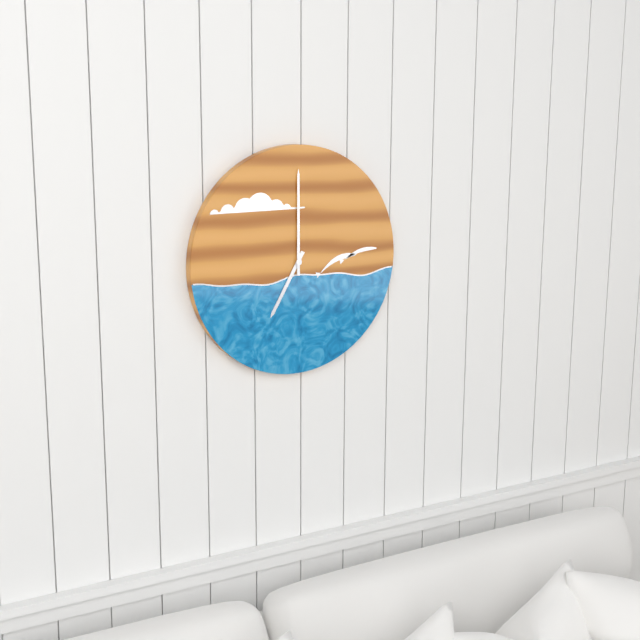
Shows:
7h00
